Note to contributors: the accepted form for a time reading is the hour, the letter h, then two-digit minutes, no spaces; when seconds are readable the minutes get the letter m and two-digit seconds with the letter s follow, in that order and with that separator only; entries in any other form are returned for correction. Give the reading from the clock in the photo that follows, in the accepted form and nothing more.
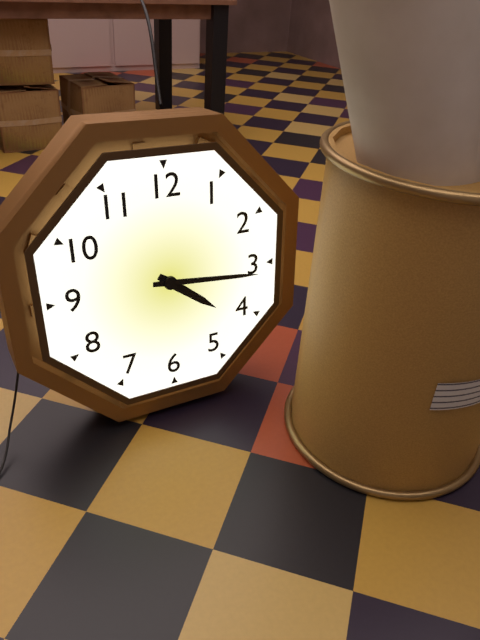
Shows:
4h16
